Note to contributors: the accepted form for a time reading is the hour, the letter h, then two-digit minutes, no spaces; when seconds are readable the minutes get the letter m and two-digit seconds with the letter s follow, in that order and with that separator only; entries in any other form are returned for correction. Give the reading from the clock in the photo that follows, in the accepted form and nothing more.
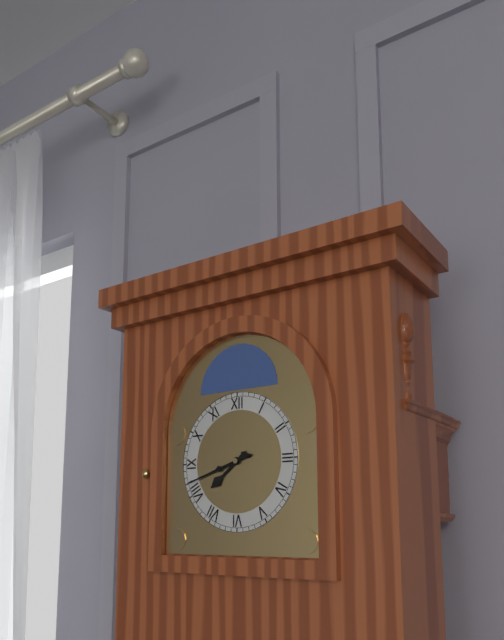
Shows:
7h42
